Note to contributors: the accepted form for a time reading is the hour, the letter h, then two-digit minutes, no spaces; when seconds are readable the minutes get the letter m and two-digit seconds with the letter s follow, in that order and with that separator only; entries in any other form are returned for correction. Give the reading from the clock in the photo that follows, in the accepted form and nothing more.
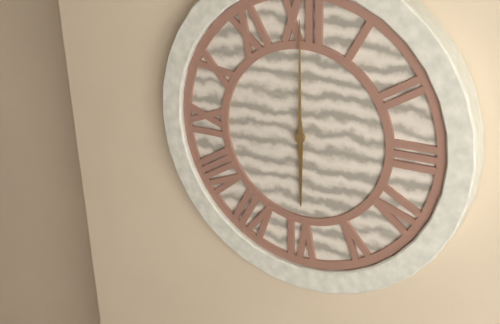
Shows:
6h00
